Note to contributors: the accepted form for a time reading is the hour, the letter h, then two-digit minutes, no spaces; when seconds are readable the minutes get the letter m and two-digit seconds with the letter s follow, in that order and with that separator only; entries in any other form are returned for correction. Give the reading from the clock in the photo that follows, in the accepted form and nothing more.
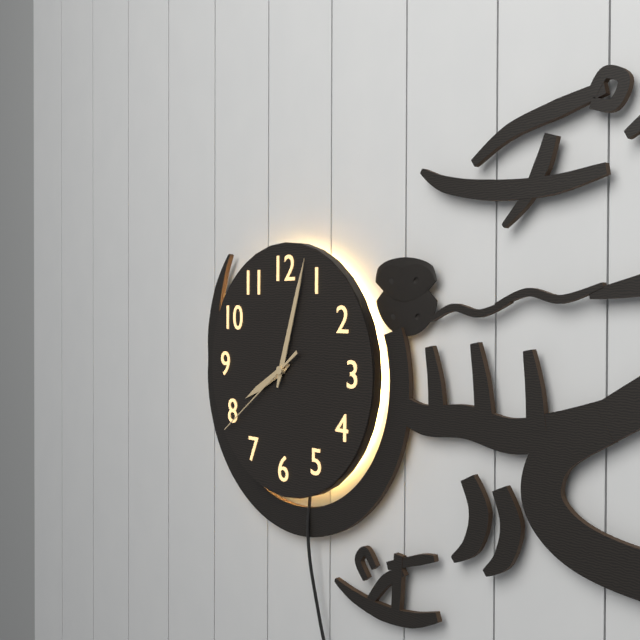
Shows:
8h03m39s
